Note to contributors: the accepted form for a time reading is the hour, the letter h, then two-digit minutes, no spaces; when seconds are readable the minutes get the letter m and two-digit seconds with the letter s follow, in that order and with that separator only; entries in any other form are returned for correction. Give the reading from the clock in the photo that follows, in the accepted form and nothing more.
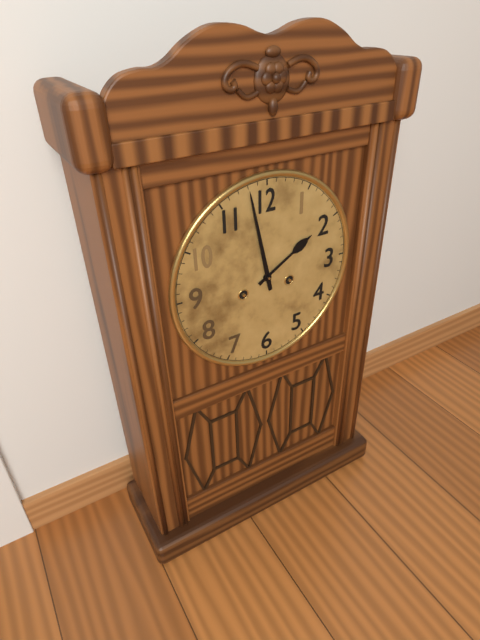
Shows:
1h58
